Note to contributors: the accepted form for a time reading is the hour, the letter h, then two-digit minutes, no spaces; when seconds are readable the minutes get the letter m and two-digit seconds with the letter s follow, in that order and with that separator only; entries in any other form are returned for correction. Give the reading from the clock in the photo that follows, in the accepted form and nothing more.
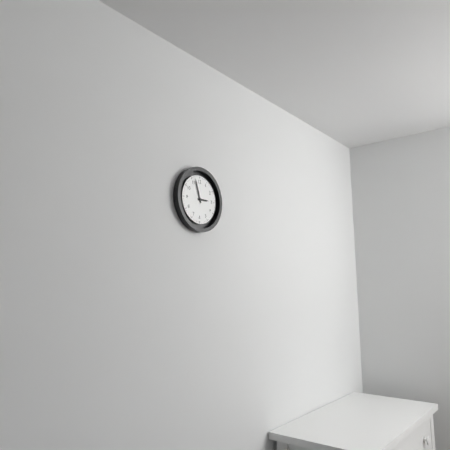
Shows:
2h57
